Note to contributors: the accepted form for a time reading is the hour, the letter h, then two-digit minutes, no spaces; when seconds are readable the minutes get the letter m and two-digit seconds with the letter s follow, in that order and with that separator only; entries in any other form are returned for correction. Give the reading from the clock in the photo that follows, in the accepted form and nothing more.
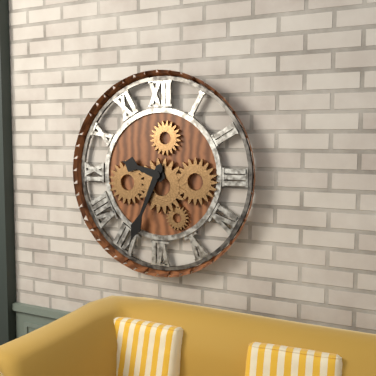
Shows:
9h34
